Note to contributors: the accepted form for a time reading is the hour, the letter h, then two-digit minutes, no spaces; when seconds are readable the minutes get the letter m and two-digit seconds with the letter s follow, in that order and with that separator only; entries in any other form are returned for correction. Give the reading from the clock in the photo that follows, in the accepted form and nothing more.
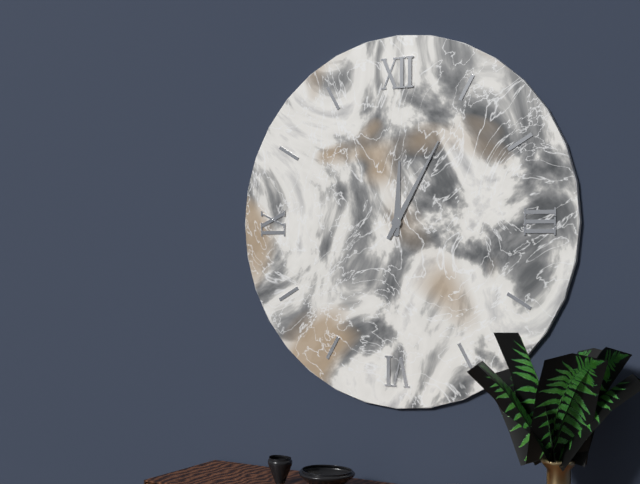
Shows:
12h05
